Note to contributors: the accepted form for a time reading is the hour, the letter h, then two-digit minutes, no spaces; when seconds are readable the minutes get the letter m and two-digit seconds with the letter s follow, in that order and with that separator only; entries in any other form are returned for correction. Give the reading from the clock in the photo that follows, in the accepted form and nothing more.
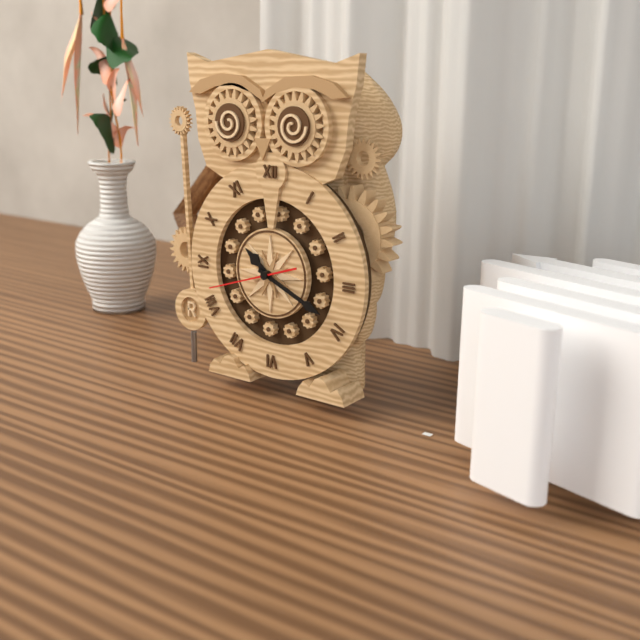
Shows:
10h19m42s
